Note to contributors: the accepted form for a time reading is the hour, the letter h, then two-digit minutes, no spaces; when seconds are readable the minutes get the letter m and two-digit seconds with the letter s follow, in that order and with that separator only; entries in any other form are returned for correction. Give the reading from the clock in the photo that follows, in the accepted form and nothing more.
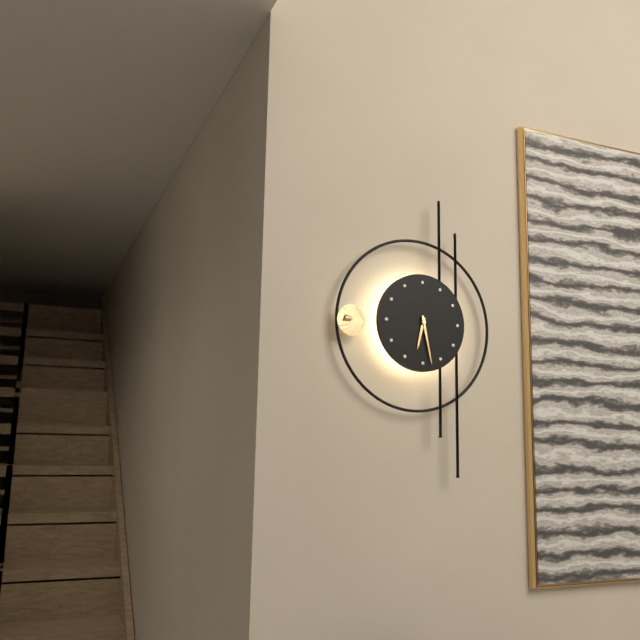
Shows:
6h28
